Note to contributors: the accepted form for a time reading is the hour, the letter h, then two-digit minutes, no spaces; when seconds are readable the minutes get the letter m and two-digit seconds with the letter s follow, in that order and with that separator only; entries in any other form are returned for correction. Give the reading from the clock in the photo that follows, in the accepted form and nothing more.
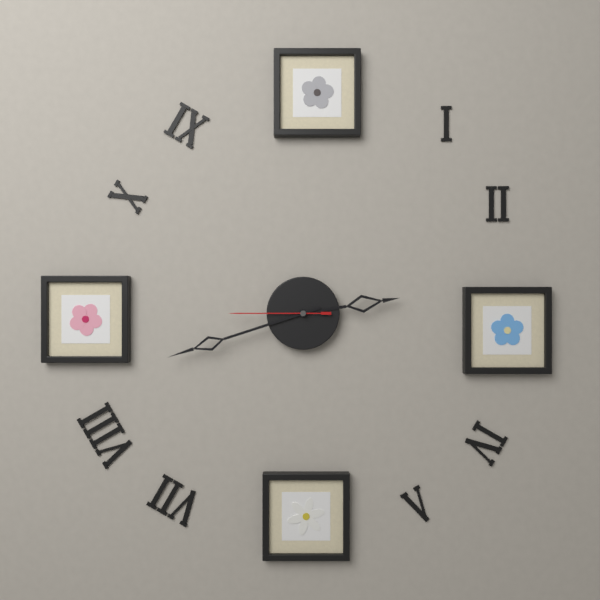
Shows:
2h42m45s
